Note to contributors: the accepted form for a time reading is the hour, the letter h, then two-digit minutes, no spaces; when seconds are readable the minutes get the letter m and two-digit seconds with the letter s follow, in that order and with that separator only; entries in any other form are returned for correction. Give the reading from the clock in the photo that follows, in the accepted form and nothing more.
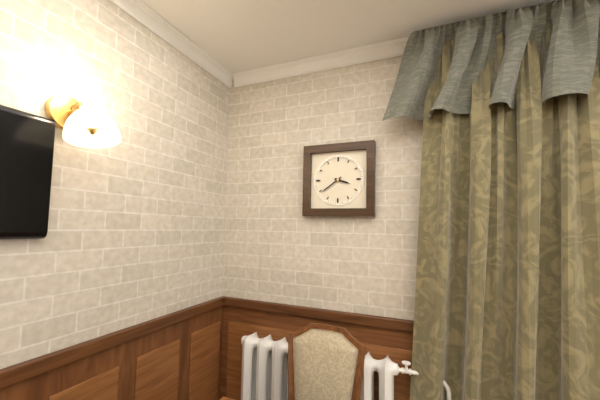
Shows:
3h39
